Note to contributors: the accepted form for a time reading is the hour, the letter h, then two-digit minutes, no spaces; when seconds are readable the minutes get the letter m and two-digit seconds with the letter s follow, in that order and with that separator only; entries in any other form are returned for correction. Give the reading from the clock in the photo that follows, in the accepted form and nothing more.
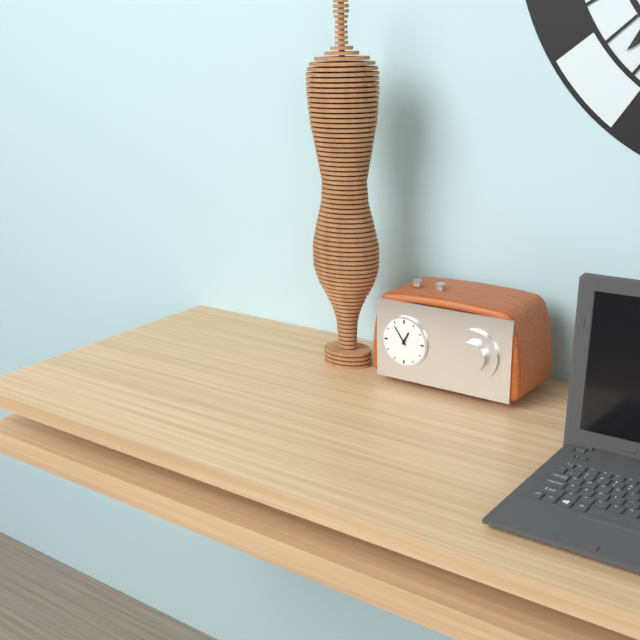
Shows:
12h54
